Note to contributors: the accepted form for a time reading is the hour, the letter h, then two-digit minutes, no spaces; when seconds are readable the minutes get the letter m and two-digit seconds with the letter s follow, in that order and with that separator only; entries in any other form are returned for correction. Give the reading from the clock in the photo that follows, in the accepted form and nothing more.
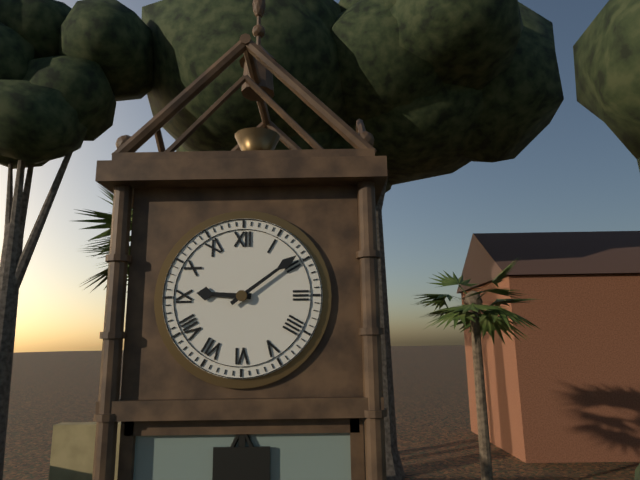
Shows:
9h09
